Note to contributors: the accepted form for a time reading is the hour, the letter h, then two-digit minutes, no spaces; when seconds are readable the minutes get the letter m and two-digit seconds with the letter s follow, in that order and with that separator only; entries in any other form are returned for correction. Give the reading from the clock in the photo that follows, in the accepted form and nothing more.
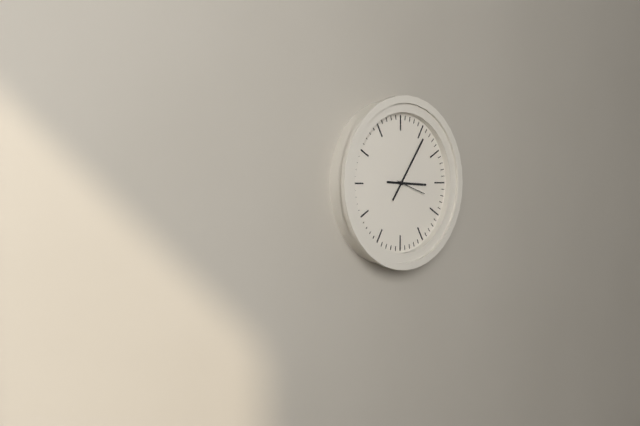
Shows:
3h06
